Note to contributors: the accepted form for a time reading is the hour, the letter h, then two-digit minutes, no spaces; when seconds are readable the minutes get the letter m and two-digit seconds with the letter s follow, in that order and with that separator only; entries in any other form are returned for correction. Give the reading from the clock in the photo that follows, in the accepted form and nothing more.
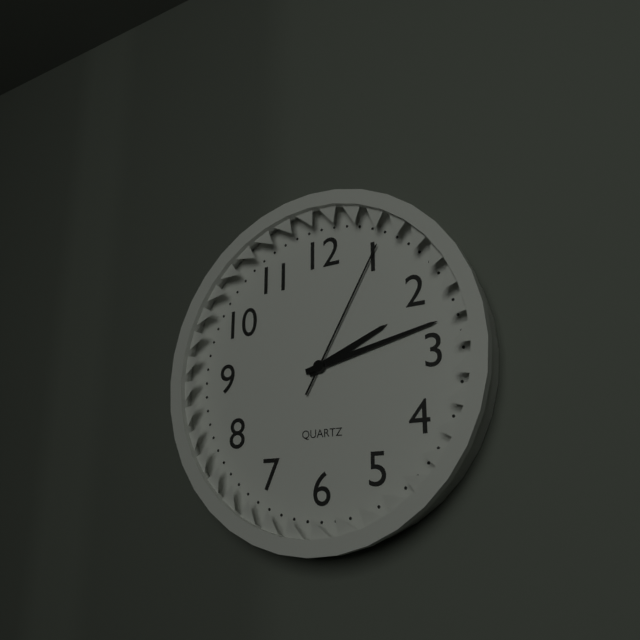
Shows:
2h13m05s
